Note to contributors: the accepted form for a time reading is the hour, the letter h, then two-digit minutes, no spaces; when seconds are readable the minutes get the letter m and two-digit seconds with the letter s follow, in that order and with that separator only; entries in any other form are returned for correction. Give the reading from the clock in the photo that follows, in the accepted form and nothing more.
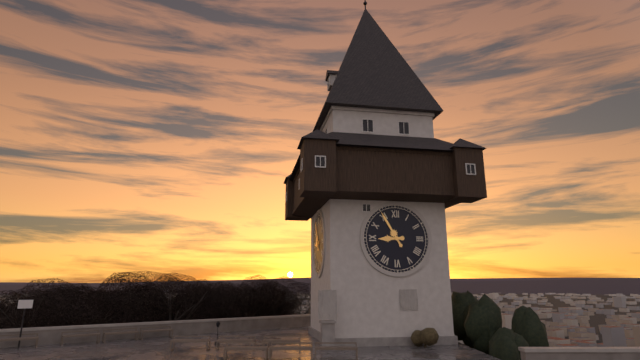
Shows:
8h55
